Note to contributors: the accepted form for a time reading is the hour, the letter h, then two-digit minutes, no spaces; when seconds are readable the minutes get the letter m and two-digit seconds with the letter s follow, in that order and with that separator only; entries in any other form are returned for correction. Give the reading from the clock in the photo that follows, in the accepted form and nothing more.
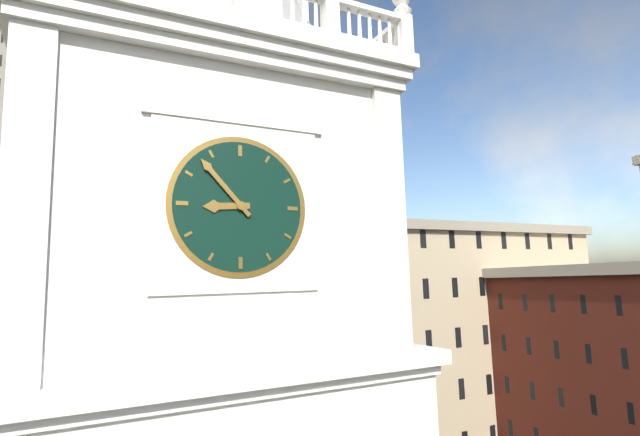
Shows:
8h53
